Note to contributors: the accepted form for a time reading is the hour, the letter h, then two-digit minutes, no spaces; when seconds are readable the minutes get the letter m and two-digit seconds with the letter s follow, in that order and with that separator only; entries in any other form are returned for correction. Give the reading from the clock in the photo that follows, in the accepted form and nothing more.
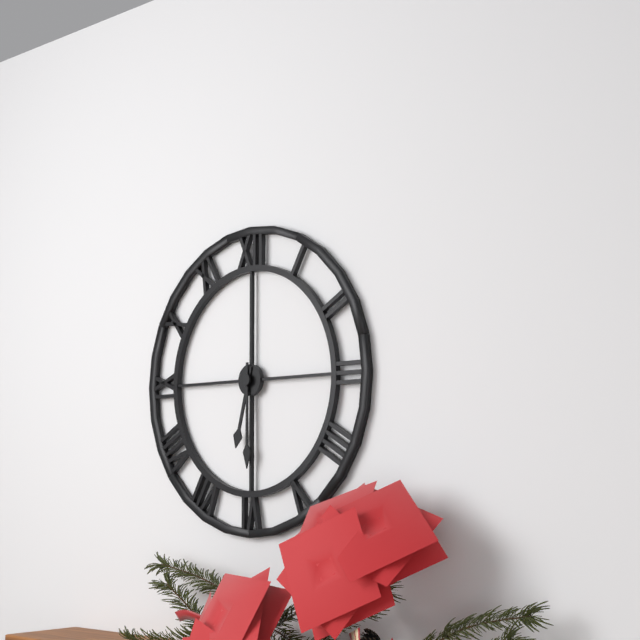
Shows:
6h30
